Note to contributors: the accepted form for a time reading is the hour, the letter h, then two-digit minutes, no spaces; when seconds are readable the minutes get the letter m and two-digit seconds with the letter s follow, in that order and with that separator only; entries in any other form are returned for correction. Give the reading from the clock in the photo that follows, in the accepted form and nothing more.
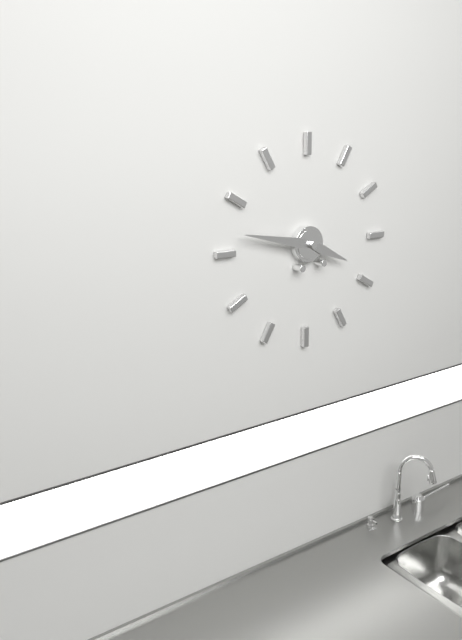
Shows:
3h47
